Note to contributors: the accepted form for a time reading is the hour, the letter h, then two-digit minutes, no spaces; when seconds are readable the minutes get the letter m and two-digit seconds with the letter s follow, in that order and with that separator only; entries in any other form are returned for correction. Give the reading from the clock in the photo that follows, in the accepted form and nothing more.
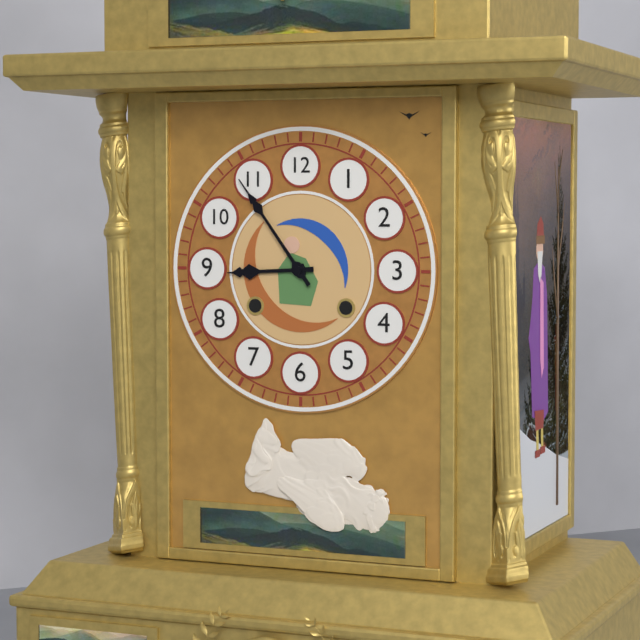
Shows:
8h54
